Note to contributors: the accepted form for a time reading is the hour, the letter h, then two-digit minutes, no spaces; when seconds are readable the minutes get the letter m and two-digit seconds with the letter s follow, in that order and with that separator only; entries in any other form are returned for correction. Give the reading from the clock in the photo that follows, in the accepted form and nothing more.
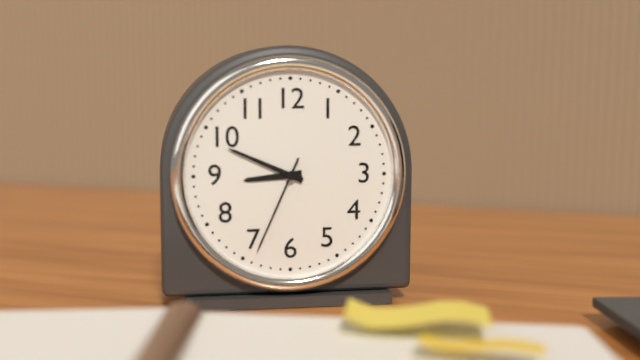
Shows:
8h49m34s
